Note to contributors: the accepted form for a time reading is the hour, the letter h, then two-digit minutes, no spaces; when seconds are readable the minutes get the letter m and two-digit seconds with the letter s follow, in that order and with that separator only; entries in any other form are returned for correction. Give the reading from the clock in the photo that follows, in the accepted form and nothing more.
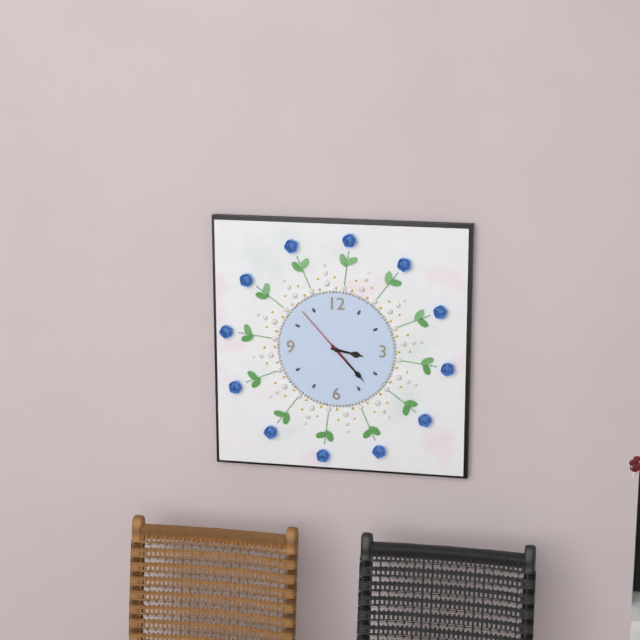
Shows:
3h23m53s
